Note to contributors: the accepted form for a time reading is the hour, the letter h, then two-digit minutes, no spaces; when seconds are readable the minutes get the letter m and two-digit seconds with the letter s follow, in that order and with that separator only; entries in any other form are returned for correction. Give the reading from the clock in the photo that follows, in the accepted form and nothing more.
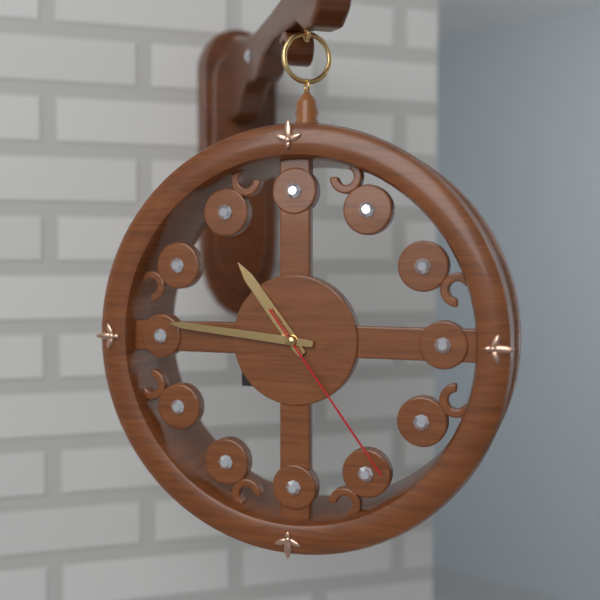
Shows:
10h46m24s
